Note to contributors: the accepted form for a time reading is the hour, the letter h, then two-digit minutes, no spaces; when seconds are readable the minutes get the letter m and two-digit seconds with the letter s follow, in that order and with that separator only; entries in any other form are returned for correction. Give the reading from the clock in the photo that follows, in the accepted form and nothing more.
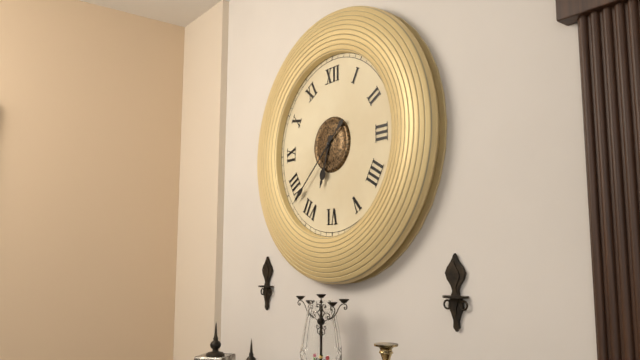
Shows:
6h38
